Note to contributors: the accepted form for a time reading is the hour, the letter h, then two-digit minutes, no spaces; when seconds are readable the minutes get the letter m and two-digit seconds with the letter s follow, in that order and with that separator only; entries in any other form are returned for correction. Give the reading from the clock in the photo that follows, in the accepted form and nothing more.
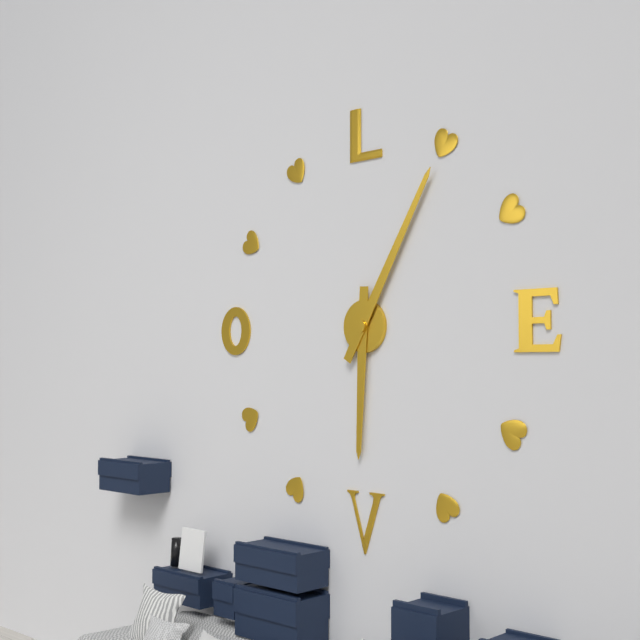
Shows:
6h05
